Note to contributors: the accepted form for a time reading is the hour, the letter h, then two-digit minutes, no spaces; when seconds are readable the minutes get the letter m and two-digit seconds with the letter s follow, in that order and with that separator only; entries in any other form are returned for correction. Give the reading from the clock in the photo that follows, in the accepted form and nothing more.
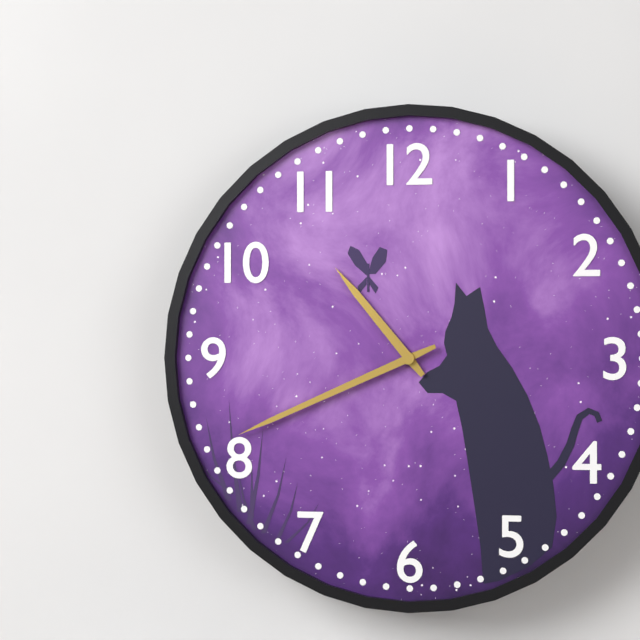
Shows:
10h41
